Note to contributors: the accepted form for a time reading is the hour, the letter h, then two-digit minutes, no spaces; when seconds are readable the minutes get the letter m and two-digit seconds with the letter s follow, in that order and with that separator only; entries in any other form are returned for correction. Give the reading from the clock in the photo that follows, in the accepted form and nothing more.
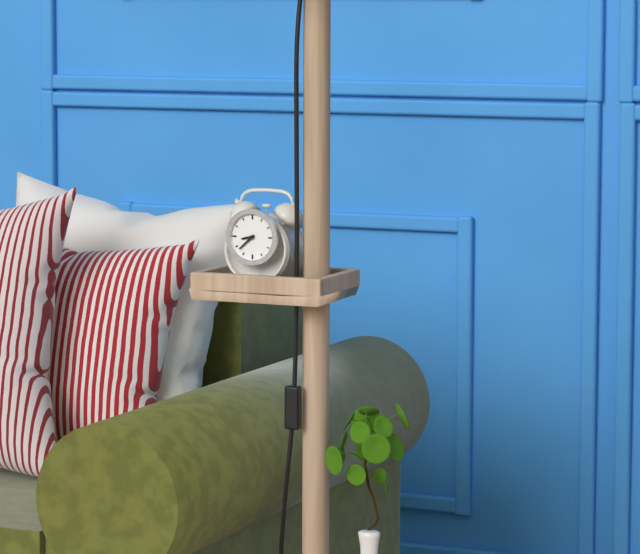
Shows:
8h38
